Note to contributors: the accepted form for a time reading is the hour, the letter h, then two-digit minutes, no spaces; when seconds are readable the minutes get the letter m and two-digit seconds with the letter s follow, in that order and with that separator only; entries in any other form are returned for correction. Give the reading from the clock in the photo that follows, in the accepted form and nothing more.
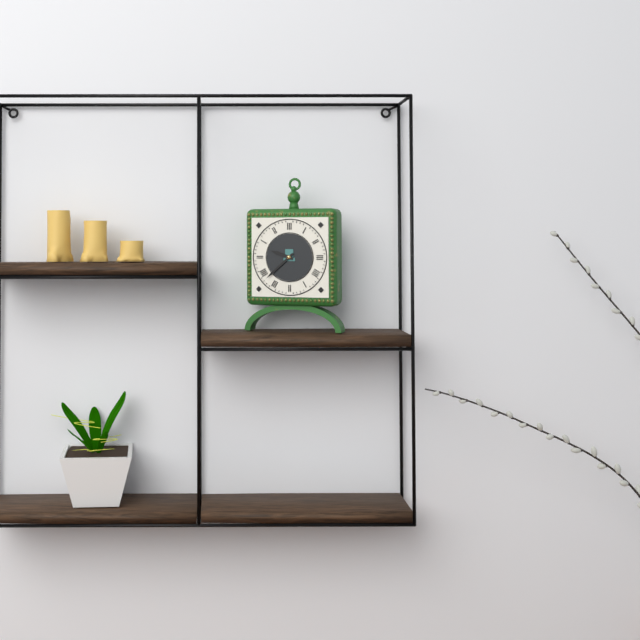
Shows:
9h38
